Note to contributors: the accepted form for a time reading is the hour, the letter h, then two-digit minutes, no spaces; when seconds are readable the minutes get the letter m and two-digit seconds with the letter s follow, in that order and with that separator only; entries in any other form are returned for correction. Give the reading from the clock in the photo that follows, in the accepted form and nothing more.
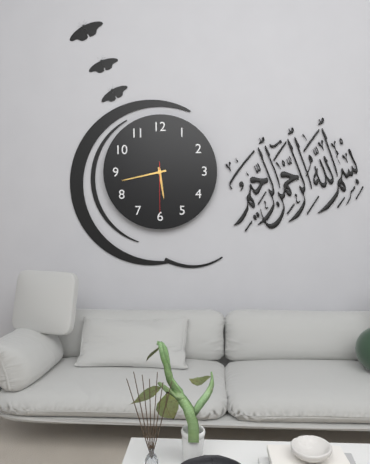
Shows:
5h43m30s
